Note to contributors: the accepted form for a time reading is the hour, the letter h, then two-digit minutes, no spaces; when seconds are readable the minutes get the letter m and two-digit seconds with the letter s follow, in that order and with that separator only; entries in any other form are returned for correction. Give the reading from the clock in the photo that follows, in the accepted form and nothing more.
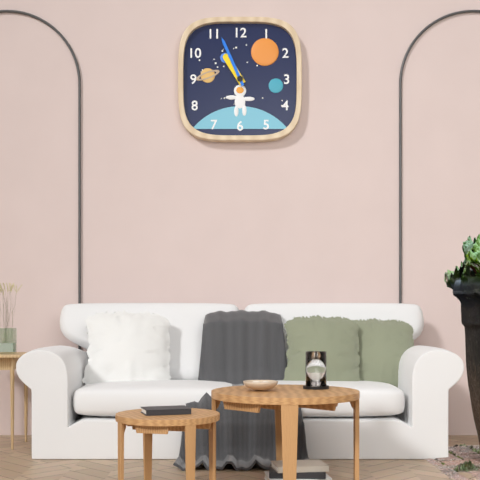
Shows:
10h56
